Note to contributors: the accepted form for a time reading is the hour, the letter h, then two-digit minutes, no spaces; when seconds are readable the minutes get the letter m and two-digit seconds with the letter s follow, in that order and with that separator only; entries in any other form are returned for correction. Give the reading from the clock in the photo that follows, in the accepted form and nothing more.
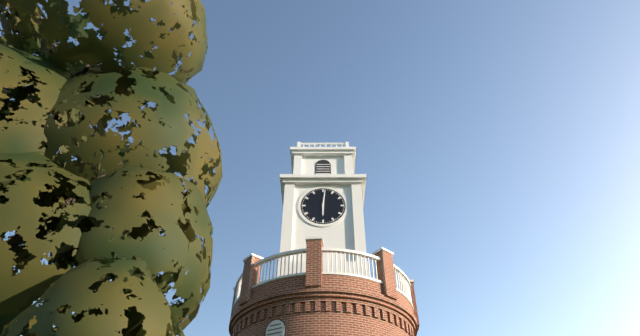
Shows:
6h01
